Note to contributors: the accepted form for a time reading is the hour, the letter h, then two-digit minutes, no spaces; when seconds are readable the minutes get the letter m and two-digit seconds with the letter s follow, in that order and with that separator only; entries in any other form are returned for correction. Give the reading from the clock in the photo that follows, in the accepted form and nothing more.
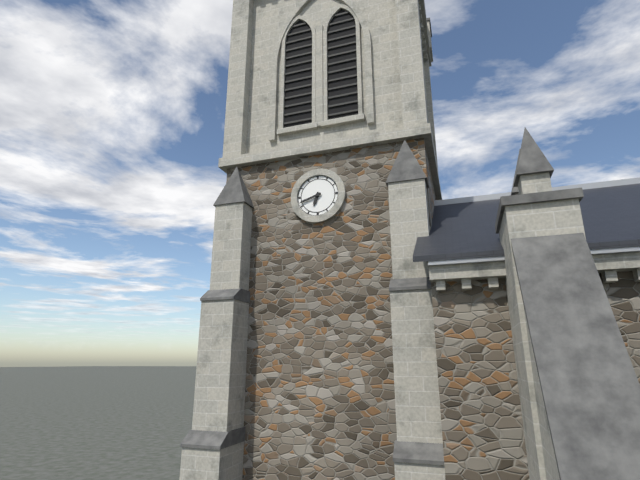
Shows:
6h42
